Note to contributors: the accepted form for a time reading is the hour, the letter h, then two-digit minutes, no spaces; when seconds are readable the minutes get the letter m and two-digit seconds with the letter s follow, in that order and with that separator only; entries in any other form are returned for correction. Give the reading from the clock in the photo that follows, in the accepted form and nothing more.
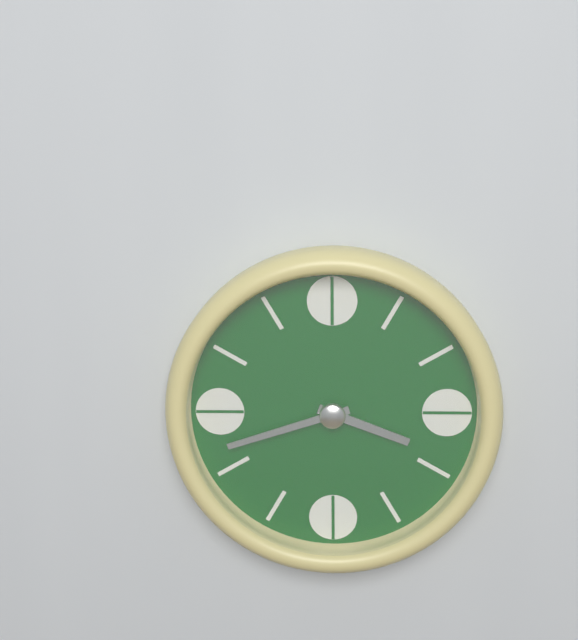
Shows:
3h42
